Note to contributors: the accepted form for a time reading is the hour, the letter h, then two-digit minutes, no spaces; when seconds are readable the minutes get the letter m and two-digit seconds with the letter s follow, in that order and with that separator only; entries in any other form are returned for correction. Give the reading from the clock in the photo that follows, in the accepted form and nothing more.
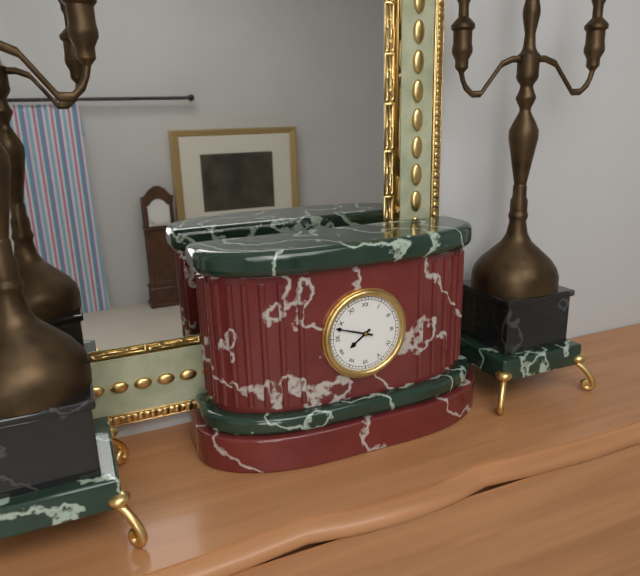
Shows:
7h48
